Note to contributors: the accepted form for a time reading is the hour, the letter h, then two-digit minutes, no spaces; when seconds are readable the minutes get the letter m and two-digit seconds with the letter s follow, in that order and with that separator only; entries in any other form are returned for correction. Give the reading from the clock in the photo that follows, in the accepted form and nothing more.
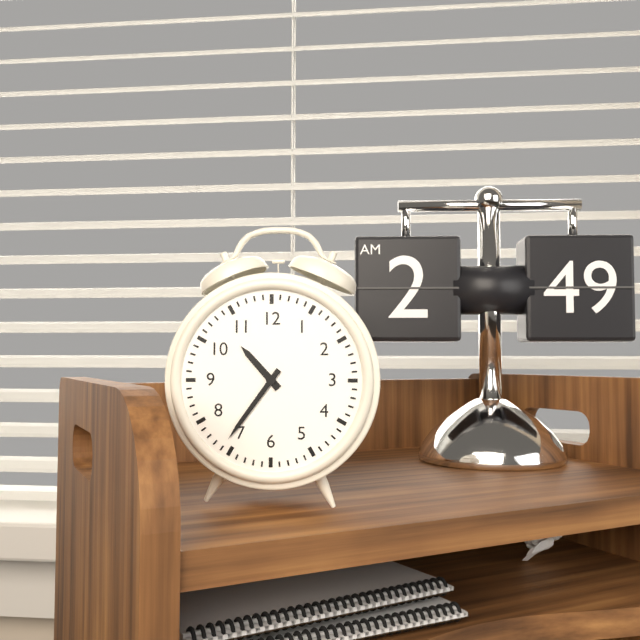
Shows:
10h36
